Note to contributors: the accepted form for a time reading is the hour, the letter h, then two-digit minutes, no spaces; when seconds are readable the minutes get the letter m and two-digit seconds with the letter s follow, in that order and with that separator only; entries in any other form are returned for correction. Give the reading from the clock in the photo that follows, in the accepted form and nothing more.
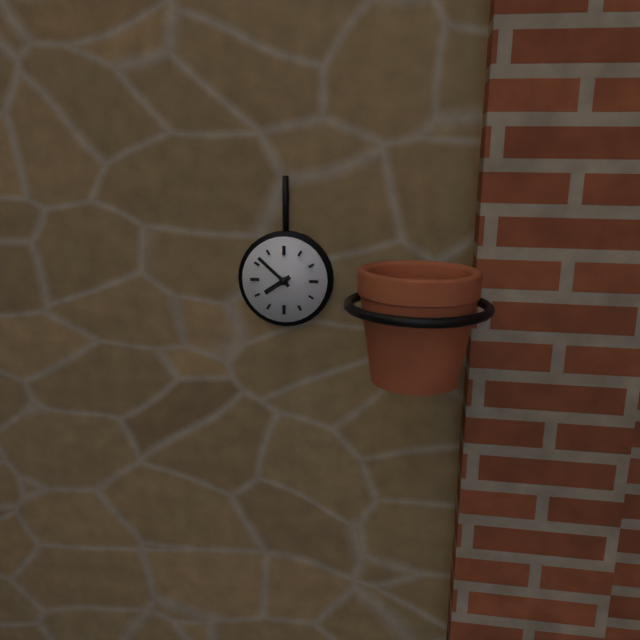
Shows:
7h52
